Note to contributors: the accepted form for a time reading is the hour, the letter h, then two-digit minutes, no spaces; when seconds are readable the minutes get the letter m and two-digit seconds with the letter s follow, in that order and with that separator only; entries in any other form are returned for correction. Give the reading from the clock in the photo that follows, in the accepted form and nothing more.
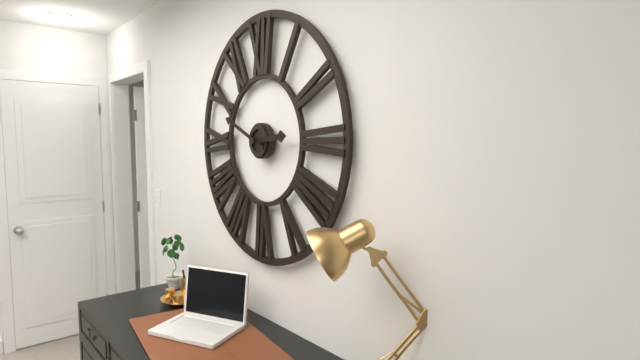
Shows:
2h49
